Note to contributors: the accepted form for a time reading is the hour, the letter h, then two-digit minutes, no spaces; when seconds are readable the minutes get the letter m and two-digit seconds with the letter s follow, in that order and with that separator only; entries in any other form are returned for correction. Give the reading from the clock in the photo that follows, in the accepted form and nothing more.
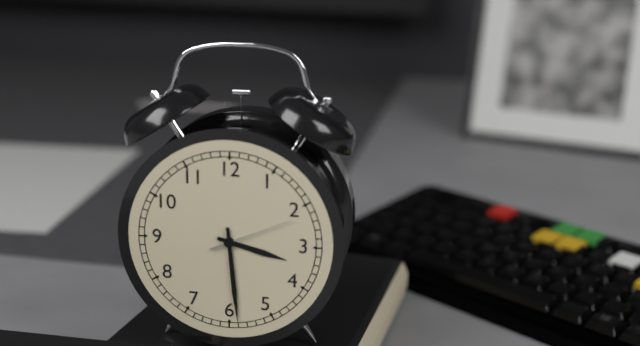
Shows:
3h29m11s
